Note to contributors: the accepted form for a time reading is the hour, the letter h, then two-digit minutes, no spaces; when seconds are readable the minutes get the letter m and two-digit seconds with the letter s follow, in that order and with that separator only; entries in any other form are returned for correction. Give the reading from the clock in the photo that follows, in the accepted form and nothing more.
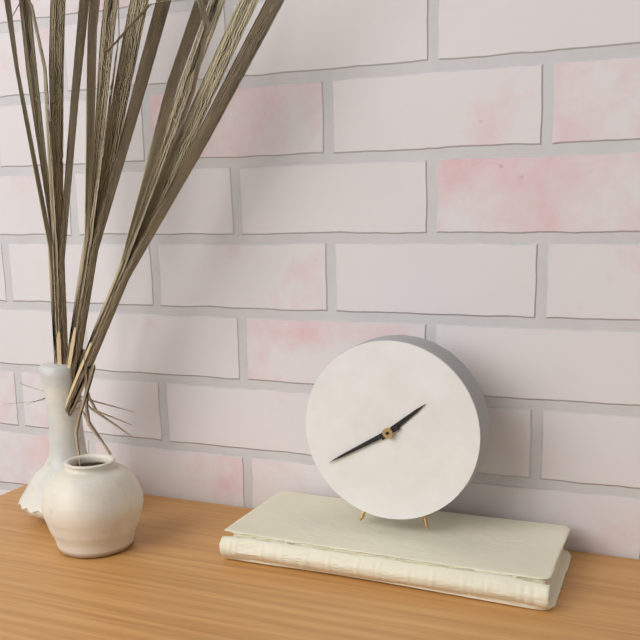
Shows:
1h40
